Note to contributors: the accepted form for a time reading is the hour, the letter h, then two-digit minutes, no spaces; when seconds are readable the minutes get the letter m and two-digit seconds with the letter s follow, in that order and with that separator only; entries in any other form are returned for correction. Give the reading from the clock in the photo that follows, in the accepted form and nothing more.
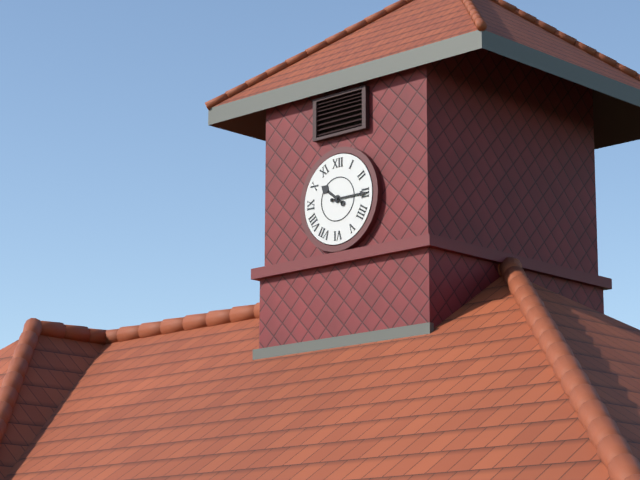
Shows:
10h15
